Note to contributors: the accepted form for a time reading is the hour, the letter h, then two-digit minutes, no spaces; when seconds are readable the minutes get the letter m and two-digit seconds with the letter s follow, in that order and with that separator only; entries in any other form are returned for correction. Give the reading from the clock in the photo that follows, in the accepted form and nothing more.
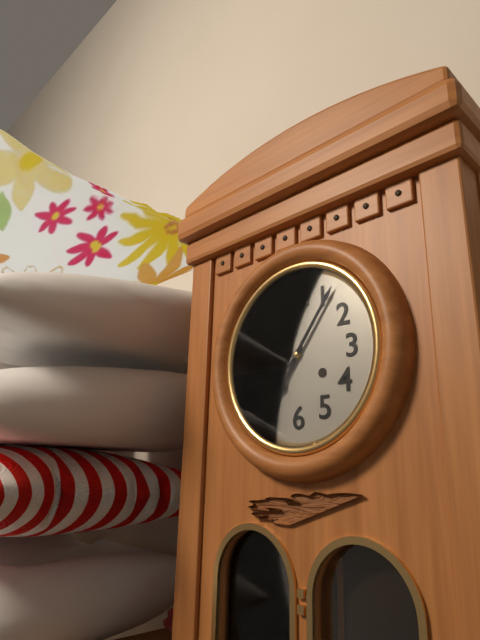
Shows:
7h06
